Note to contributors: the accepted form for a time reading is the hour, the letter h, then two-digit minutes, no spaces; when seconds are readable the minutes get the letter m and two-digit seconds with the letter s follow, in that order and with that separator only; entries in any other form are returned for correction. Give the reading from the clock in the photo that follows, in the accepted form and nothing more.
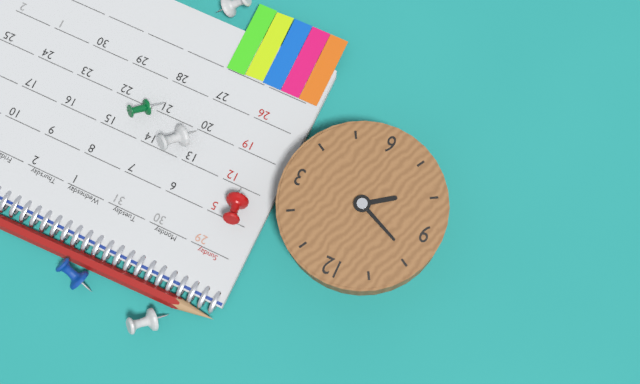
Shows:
7h49
